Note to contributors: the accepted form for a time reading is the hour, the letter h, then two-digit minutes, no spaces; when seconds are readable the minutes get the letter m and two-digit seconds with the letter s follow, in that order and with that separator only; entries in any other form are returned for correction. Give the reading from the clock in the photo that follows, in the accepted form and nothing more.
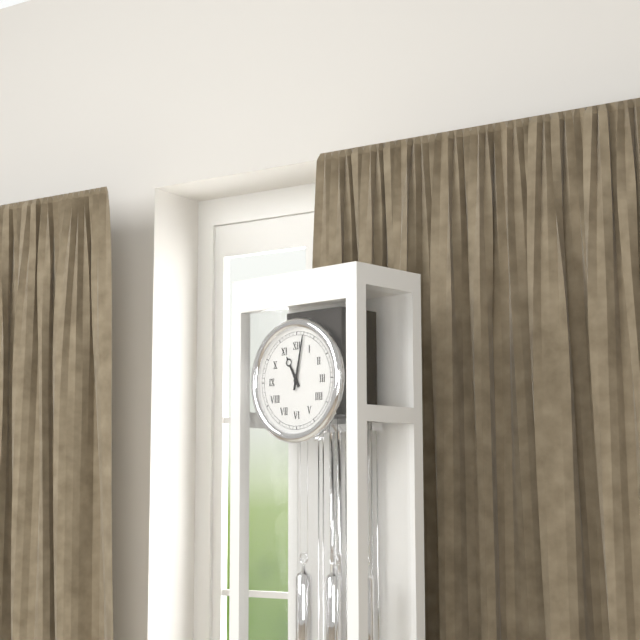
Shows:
11h02
